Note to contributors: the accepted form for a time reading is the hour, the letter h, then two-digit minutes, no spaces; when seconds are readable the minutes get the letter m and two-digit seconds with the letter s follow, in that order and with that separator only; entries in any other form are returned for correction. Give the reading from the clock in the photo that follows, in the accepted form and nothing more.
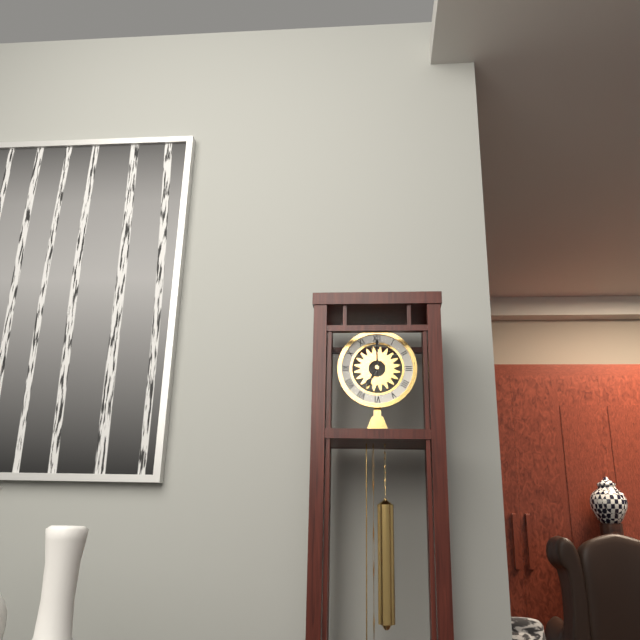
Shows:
7h00
